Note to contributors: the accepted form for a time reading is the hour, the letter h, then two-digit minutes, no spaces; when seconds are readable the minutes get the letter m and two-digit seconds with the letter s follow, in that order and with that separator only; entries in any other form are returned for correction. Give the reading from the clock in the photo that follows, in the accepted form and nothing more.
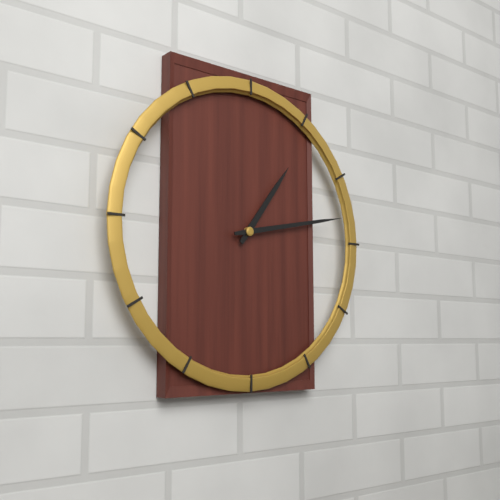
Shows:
1h13
